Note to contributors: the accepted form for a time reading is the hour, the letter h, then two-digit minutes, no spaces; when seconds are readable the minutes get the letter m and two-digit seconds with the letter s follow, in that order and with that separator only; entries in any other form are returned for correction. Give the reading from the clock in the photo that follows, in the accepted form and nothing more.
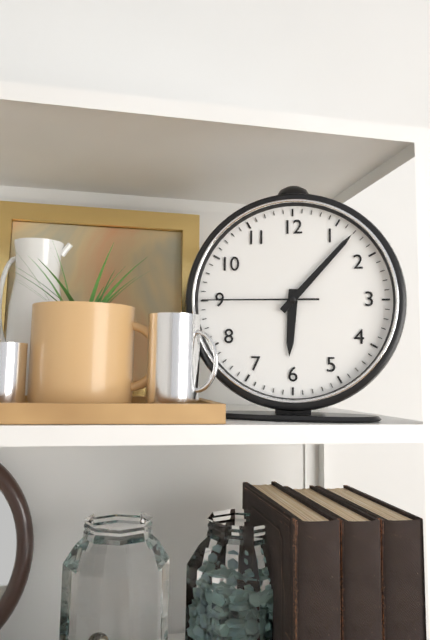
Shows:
6h07m45s
